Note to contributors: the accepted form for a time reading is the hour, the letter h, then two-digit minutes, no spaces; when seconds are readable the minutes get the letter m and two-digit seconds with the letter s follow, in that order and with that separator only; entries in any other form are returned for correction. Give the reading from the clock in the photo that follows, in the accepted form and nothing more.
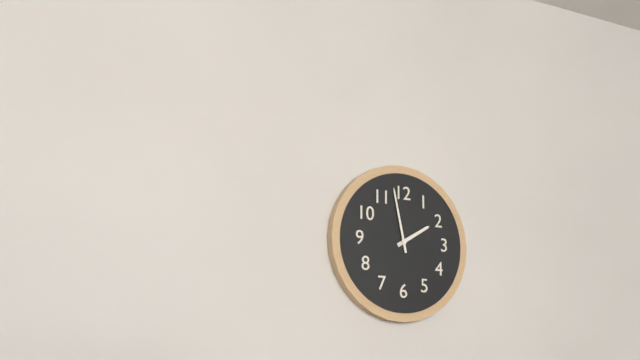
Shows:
1h58
